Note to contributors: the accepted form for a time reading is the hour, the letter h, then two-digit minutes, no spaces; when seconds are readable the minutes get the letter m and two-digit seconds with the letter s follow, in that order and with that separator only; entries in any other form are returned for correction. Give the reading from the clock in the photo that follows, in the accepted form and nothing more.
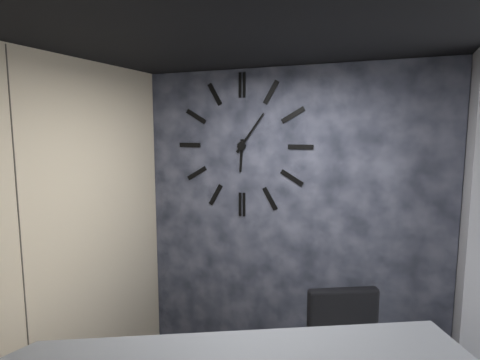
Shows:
6h06
